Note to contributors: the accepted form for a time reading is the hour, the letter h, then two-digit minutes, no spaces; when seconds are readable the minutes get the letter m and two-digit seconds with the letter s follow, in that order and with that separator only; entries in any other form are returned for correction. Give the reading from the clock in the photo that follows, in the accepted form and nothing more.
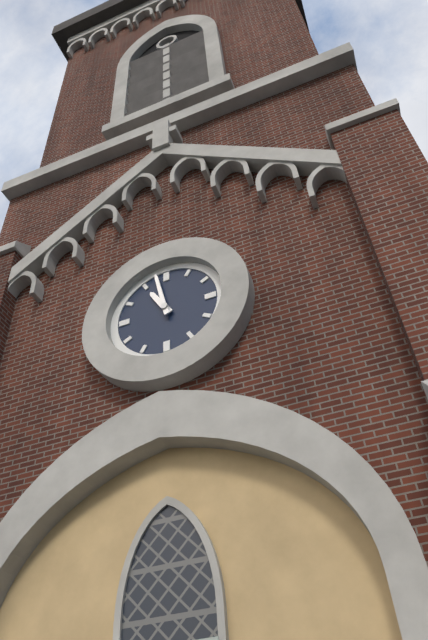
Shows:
10h58
